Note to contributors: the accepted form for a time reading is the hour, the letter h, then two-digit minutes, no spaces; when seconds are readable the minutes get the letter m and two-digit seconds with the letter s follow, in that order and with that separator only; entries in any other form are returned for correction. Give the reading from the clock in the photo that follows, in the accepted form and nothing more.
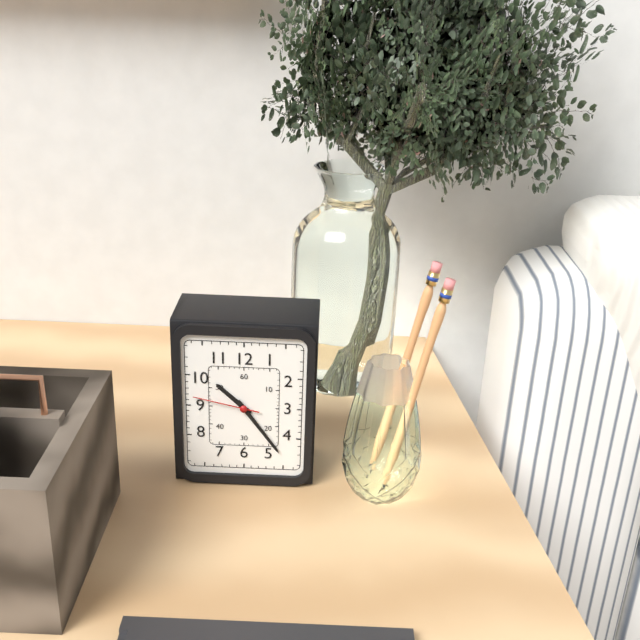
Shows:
10h24m47s
